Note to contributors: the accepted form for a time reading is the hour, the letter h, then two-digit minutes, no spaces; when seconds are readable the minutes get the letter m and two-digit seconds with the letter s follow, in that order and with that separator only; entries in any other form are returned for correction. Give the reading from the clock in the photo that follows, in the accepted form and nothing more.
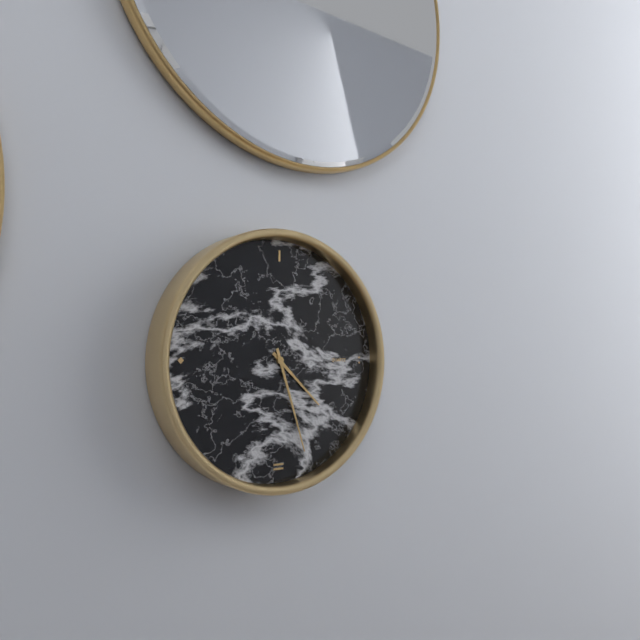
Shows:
4h27
